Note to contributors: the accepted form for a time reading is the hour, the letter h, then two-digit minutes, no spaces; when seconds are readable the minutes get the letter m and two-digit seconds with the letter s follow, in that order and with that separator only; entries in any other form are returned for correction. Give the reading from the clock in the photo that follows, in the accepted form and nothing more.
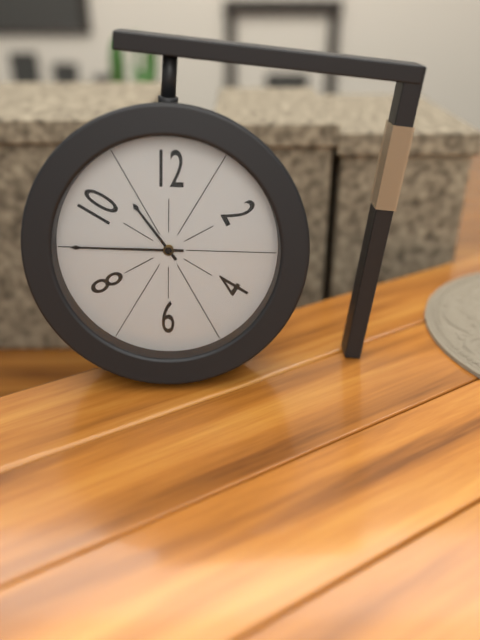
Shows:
10h45
